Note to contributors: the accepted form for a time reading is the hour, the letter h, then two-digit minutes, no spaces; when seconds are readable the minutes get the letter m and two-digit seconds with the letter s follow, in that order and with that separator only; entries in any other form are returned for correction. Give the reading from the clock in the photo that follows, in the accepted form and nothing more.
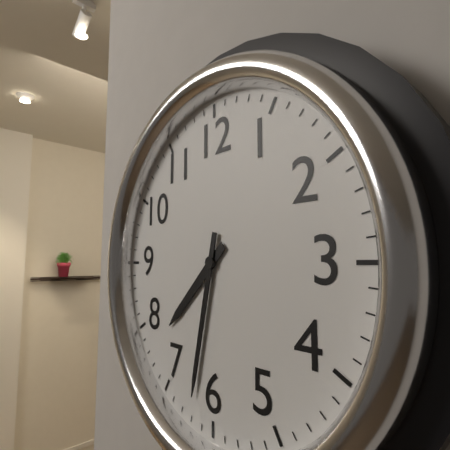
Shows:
7h32
